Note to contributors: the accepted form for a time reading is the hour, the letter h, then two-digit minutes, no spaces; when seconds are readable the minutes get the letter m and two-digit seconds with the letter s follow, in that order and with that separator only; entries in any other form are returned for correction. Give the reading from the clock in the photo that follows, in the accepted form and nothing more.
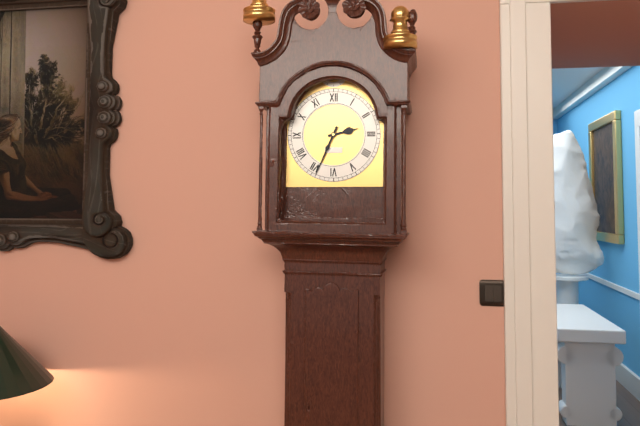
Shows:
2h34
